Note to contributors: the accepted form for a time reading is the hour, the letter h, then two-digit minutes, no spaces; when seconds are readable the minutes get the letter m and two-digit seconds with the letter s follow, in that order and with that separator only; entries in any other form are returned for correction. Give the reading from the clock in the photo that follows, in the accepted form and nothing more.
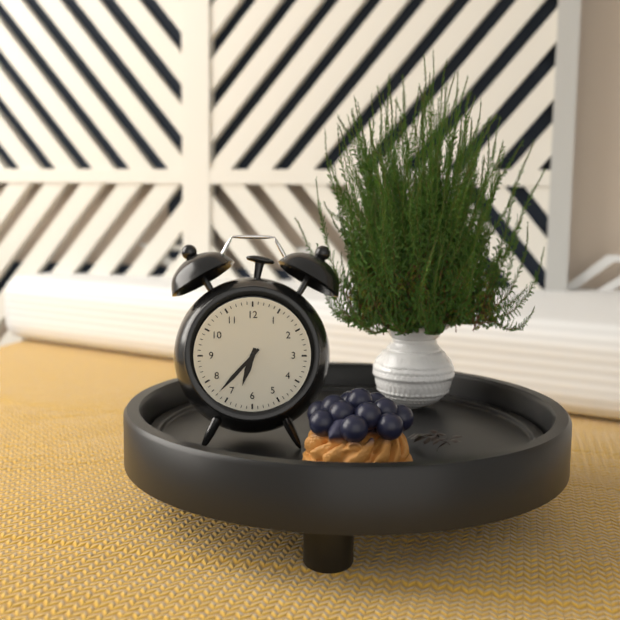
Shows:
6h37
